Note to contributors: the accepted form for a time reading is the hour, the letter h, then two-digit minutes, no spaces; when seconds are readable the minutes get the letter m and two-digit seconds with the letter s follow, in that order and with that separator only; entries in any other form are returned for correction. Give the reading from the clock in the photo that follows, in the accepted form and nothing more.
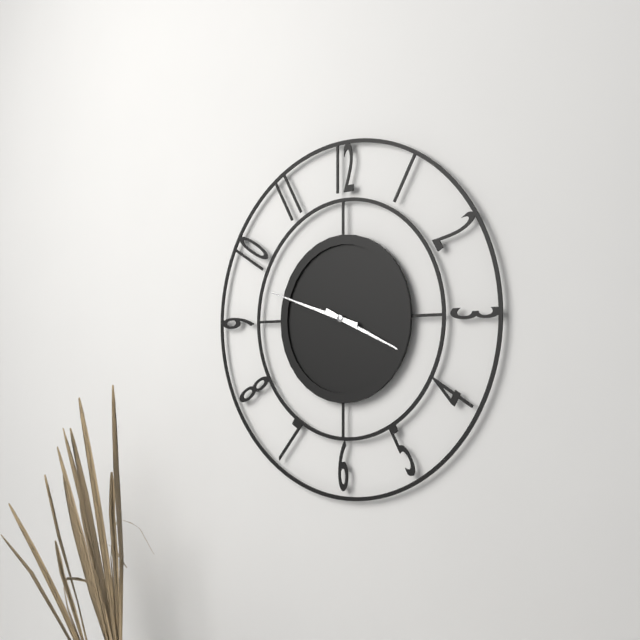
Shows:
3h48
